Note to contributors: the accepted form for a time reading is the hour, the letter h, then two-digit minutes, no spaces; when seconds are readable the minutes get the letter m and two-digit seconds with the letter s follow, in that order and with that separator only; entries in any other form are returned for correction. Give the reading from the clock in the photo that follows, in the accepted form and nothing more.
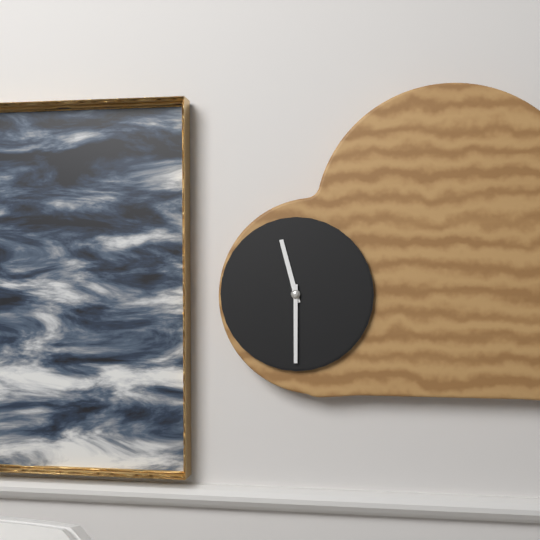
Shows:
11h30
